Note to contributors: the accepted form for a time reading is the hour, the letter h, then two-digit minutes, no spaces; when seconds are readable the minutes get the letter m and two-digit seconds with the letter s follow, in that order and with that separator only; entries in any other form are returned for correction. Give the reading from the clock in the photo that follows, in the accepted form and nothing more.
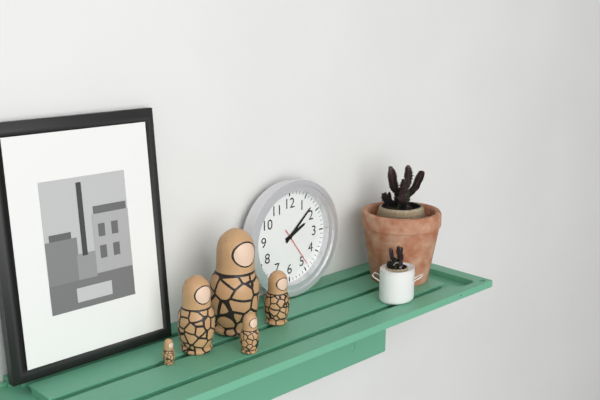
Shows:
2h08
